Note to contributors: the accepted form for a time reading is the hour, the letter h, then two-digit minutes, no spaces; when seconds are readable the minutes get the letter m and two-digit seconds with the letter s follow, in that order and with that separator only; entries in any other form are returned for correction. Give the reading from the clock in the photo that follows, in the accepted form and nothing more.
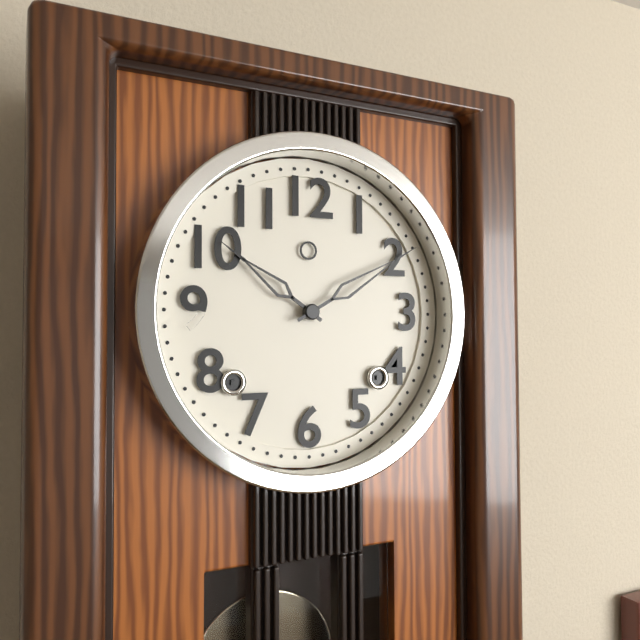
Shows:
10h10
